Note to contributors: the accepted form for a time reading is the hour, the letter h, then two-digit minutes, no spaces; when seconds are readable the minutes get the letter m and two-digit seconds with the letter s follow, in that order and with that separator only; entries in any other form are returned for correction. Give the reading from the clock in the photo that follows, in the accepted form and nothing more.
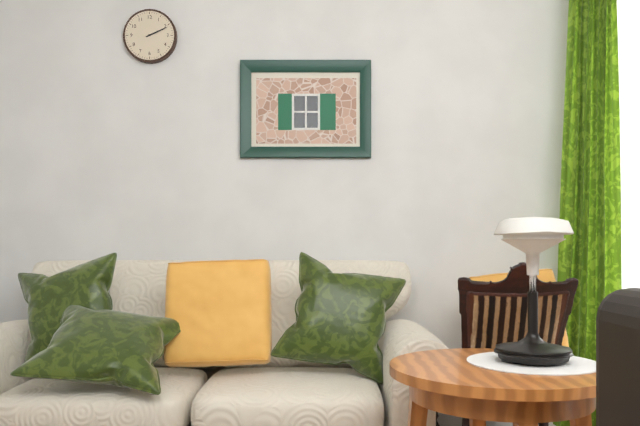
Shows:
2h11
